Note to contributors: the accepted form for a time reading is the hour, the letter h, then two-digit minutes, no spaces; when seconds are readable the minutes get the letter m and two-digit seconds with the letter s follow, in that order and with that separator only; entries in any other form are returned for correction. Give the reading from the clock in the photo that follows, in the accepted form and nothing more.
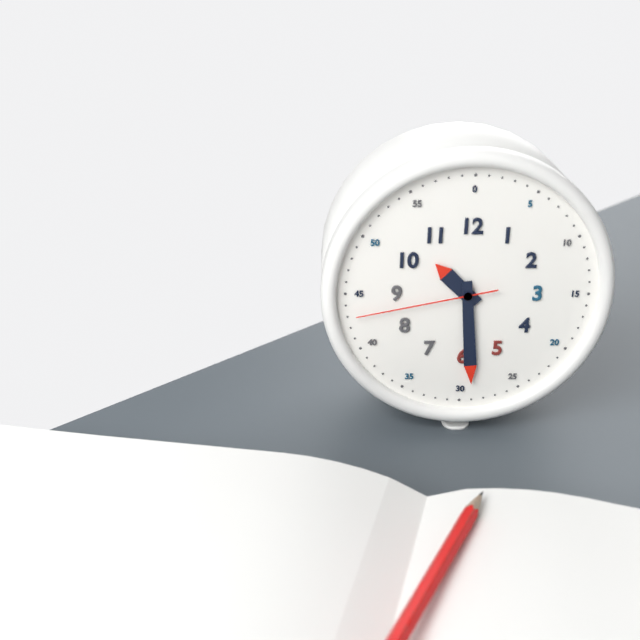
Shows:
10h29m43s
